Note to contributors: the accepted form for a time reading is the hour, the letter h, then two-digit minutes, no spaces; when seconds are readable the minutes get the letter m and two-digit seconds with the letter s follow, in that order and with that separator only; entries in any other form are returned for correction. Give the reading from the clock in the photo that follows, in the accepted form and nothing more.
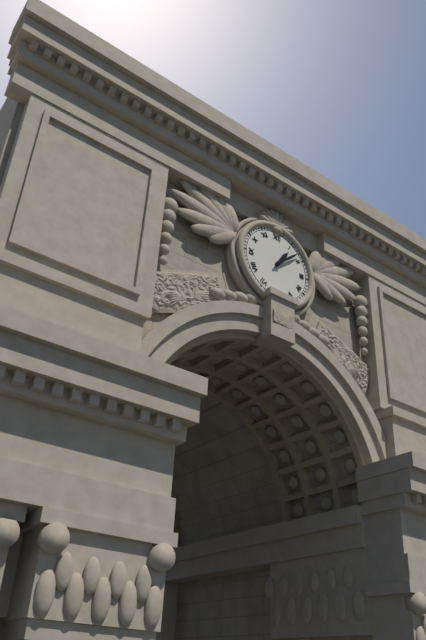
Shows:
1h08
